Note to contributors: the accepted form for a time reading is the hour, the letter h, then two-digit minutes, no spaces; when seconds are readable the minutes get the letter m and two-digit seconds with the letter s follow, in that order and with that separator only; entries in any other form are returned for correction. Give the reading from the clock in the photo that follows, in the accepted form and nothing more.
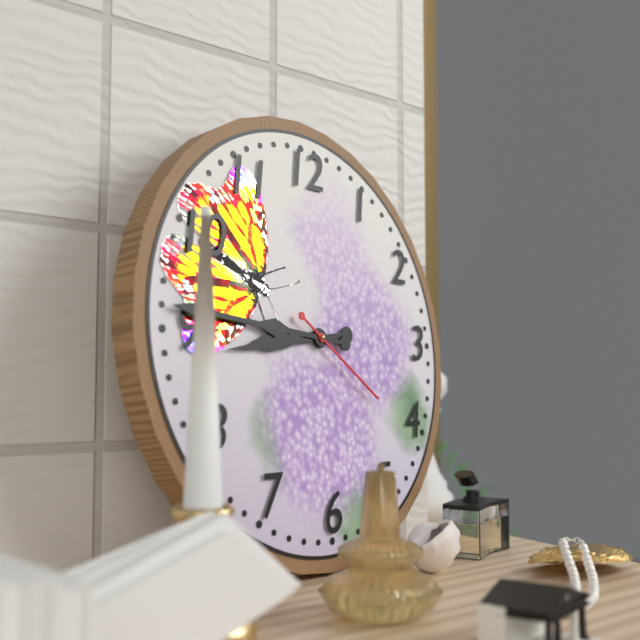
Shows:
8h46m21s
